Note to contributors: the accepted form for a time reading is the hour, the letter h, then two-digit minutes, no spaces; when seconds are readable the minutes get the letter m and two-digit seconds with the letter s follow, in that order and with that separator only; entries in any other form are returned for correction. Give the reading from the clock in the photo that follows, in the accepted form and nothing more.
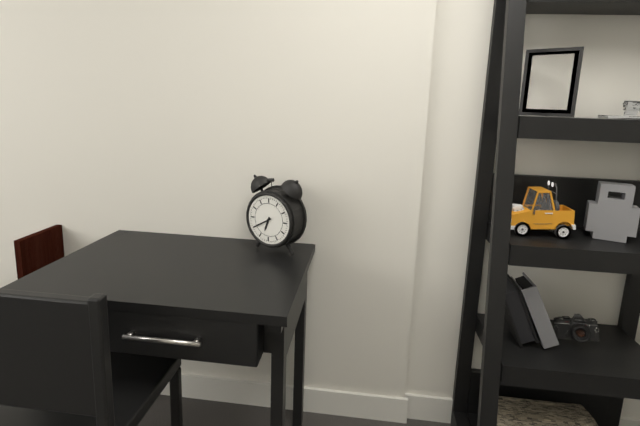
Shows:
6h40
